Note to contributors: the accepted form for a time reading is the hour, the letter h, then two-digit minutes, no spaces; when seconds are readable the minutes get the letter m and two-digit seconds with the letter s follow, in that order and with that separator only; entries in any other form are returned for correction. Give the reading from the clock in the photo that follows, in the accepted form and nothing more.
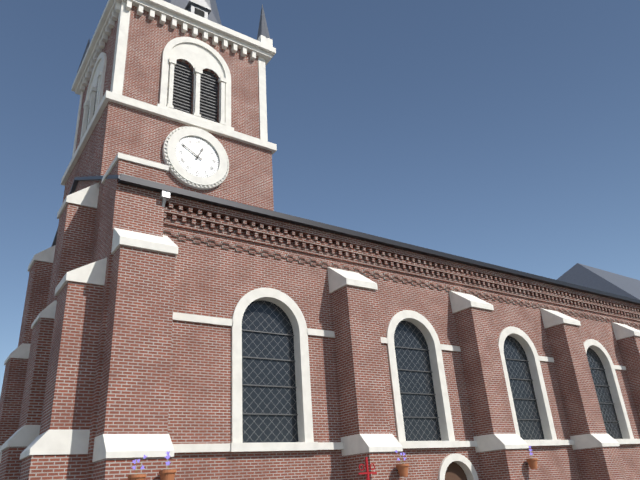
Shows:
12h50
